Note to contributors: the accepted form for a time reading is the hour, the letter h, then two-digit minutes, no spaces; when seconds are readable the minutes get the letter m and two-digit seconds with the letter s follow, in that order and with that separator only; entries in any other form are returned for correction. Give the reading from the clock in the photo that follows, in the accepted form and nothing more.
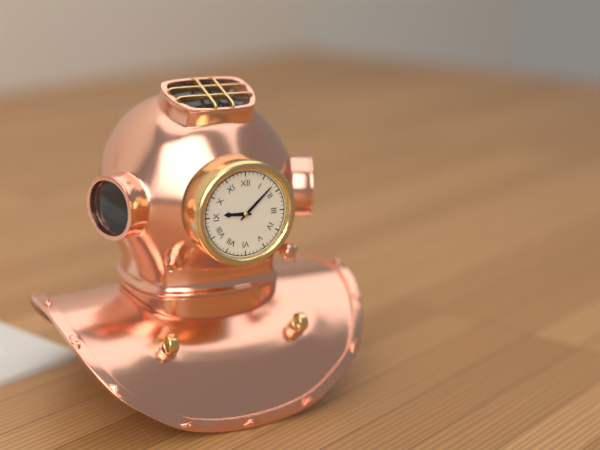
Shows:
9h08
